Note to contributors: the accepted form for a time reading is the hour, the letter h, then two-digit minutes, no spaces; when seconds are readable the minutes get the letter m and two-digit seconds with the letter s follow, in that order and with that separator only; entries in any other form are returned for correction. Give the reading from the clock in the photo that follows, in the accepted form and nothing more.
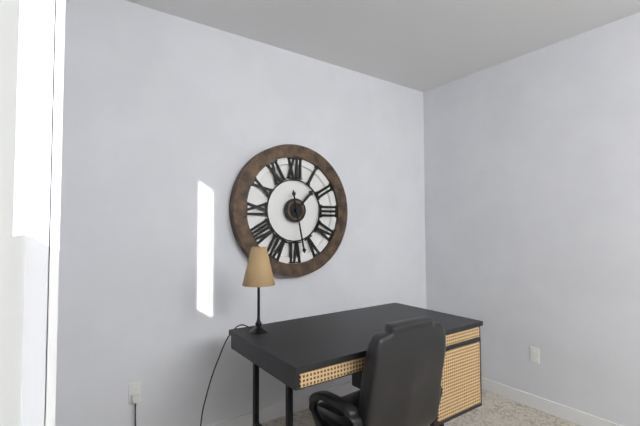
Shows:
1h28
